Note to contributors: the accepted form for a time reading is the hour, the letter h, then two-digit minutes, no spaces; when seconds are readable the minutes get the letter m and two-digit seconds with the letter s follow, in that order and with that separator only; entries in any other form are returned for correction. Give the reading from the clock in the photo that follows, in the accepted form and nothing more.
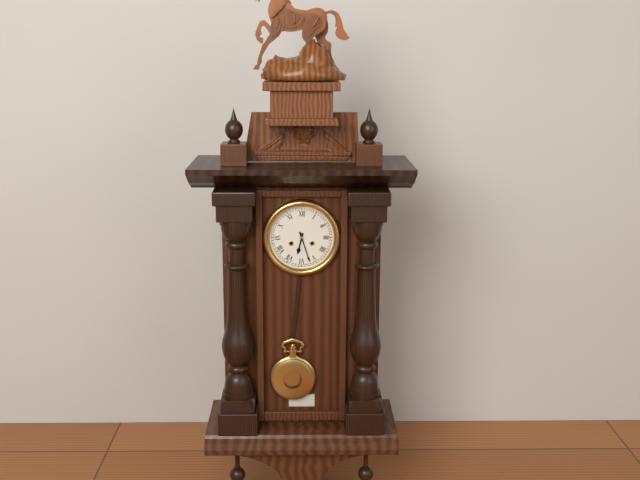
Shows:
6h27
